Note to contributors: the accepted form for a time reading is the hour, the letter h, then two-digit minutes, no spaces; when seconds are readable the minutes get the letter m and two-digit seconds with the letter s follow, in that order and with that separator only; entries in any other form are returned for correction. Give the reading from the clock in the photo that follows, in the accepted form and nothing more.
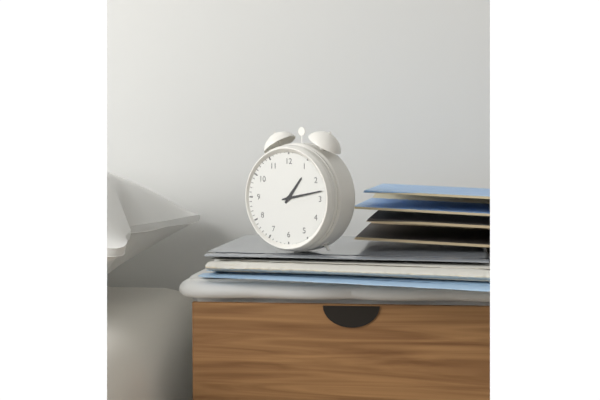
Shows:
1h13
